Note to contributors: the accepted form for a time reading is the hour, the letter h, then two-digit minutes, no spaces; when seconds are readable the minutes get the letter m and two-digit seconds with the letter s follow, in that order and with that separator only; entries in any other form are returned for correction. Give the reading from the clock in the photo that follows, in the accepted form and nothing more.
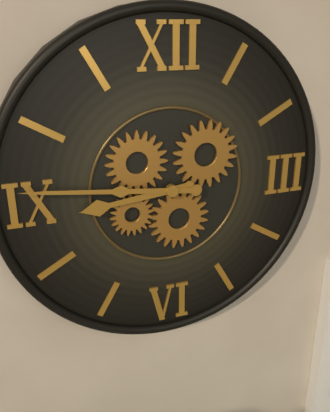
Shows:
8h46
